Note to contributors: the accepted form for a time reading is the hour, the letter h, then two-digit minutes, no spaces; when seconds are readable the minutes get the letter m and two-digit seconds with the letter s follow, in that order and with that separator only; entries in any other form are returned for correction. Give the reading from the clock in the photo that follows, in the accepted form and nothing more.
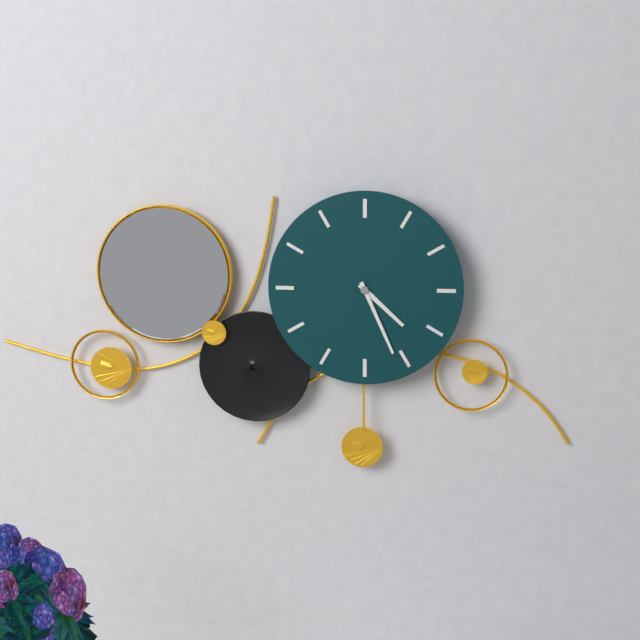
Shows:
4h26
